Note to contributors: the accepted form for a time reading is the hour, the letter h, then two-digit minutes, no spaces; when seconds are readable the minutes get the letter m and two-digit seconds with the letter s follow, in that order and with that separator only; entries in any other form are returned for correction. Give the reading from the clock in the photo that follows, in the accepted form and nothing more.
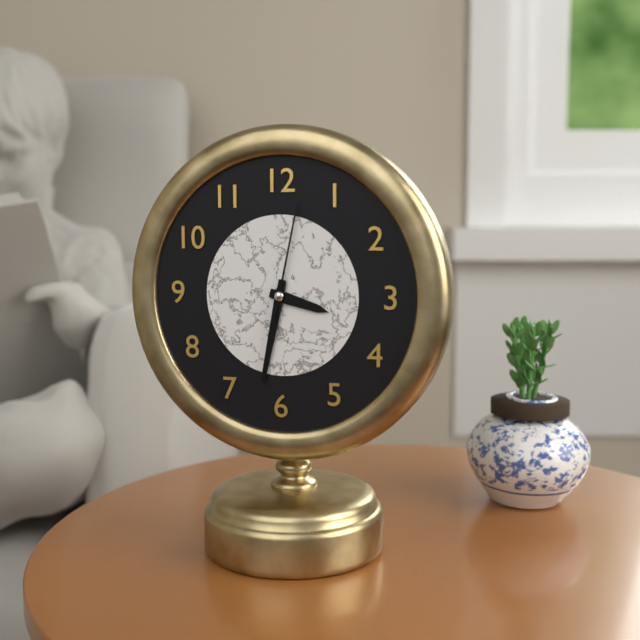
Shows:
3h32m02s
